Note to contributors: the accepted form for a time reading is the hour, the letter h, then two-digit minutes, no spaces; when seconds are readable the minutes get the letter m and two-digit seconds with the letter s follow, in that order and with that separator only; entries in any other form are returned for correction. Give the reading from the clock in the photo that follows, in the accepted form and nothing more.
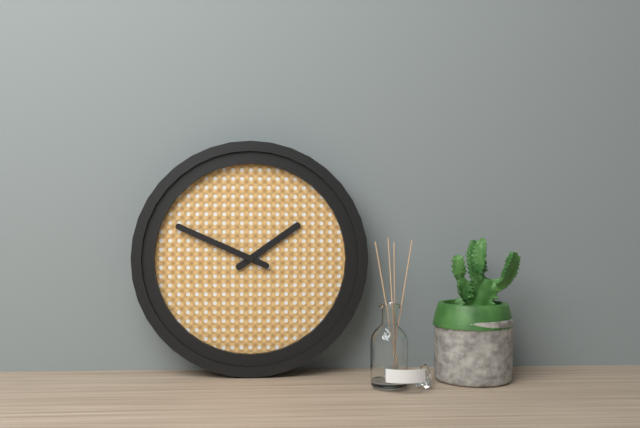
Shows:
1h49
